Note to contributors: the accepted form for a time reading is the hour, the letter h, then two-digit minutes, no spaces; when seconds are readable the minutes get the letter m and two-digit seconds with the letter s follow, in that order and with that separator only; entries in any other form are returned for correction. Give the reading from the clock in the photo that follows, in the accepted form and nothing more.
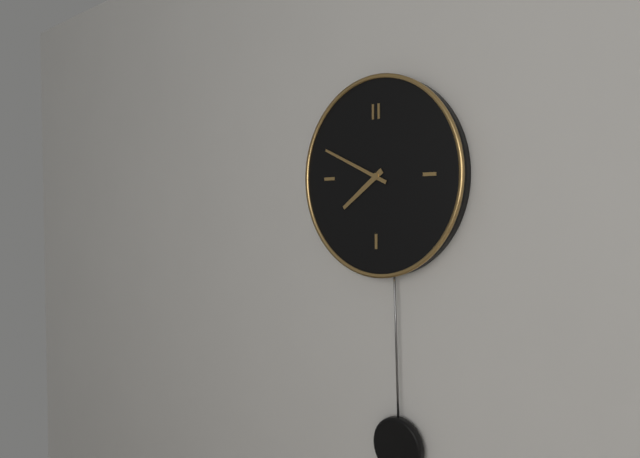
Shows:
7h49
